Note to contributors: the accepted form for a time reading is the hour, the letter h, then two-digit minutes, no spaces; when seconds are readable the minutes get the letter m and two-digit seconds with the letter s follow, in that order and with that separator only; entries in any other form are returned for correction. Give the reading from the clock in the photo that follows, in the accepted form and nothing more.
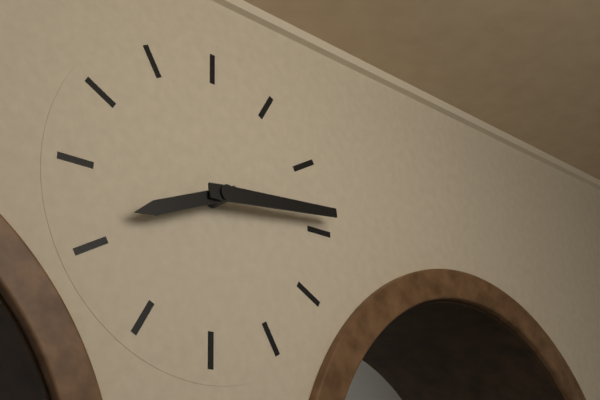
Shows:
8h14
